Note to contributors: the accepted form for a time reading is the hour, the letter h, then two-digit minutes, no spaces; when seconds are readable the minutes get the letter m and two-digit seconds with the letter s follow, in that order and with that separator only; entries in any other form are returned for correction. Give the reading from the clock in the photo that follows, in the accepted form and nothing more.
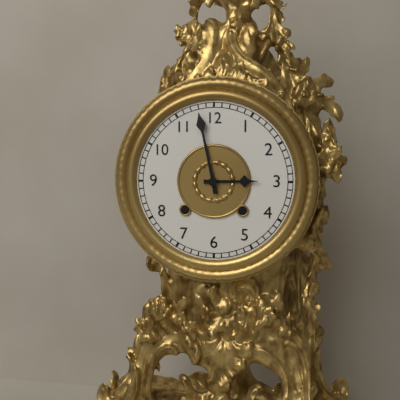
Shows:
2h58
